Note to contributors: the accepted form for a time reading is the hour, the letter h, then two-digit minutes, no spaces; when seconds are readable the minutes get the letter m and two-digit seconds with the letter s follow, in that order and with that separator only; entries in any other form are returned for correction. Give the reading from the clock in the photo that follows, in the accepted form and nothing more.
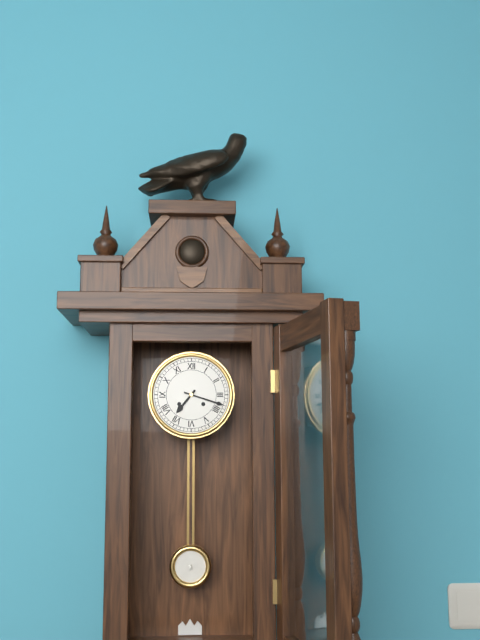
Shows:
7h18
